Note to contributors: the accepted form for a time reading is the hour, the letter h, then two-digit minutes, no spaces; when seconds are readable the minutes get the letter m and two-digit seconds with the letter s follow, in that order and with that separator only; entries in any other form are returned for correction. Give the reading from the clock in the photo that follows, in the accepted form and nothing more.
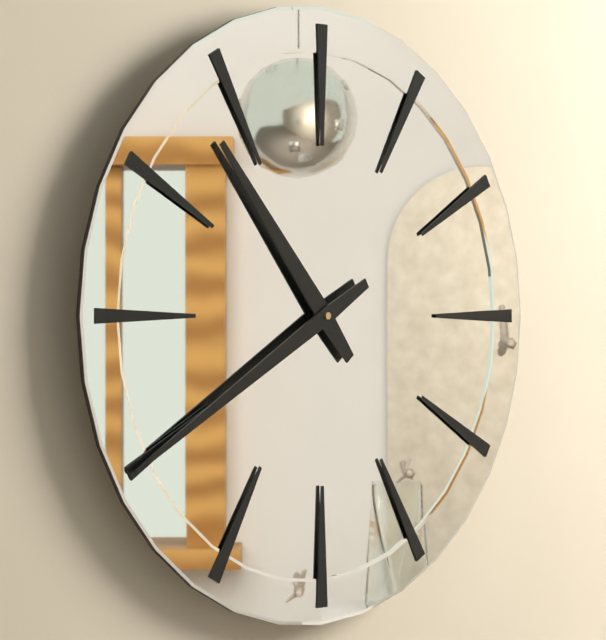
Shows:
10h40
